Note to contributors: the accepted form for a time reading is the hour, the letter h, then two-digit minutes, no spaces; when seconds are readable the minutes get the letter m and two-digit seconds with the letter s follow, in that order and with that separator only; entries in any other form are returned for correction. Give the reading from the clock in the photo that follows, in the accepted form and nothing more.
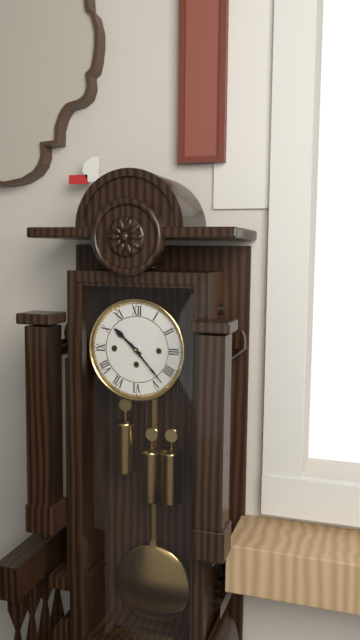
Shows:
10h23
